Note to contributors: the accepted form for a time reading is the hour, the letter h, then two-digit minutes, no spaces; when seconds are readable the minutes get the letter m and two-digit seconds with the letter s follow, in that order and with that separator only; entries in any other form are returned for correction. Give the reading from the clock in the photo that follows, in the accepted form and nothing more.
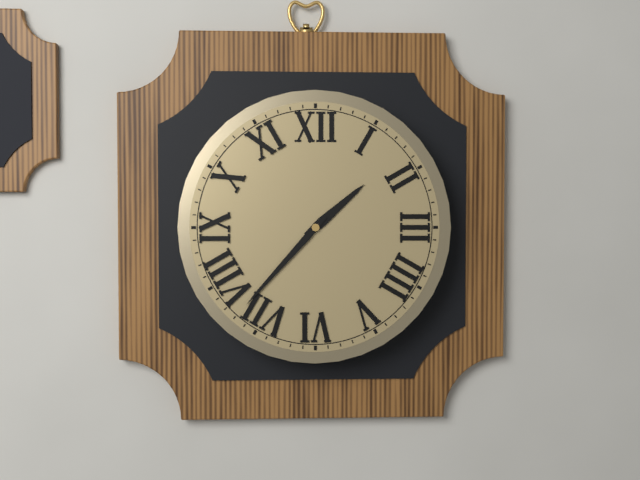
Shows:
1h37
